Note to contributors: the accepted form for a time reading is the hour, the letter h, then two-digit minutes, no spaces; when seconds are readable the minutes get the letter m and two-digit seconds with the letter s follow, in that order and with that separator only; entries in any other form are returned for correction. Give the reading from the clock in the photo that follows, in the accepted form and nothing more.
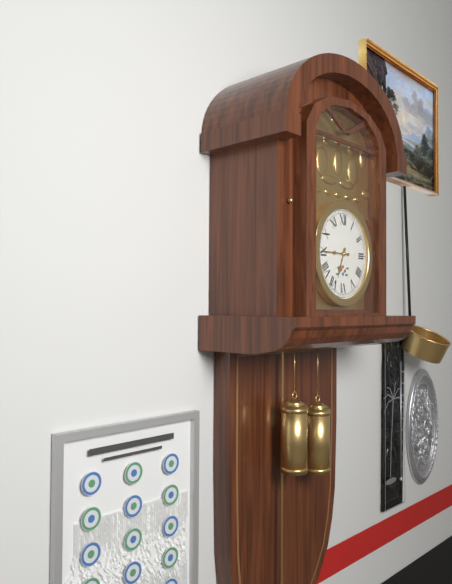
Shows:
6h45
